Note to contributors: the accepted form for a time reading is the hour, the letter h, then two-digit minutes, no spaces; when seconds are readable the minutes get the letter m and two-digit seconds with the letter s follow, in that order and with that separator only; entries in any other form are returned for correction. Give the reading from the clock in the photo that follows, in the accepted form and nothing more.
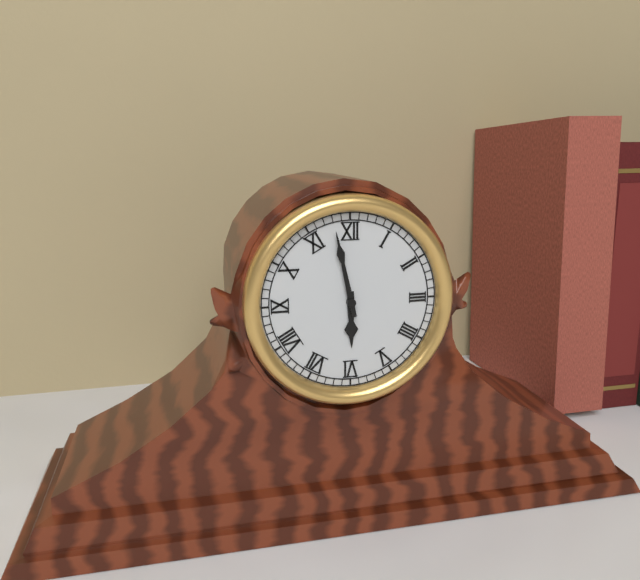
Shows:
5h58
